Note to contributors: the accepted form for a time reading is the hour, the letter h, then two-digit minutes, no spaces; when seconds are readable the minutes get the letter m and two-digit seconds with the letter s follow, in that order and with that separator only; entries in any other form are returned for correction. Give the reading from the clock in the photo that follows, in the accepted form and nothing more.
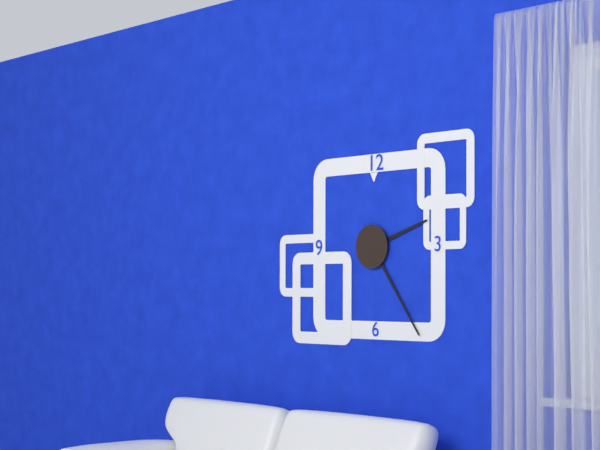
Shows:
2h24
